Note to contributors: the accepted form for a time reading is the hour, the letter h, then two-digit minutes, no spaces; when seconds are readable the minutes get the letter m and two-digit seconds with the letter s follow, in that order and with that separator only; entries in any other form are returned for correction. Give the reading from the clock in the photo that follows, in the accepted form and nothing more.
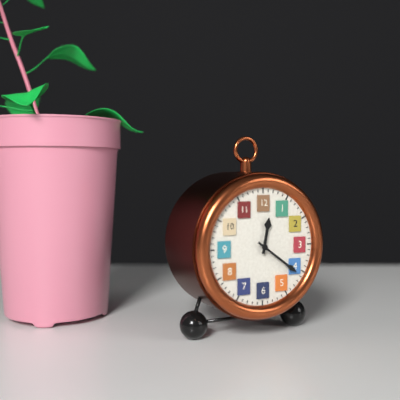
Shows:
12h21
